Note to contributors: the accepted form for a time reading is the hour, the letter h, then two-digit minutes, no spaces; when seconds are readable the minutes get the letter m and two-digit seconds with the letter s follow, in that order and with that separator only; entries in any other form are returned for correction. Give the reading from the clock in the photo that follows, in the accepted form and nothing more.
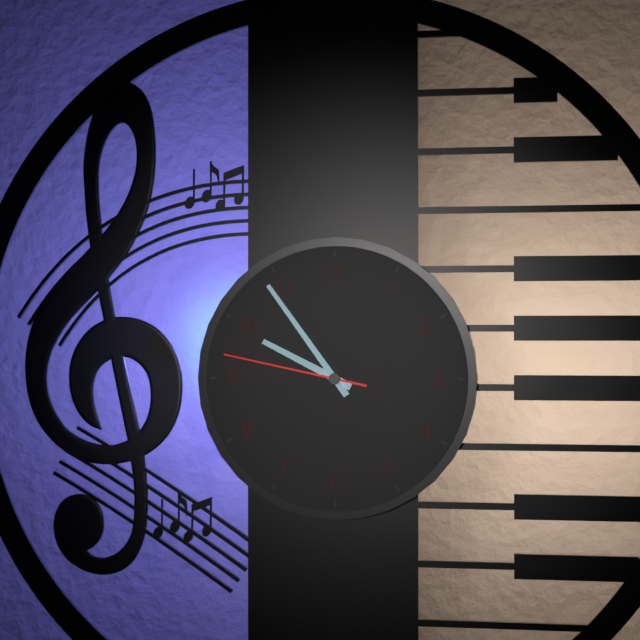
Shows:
9h54m47s
